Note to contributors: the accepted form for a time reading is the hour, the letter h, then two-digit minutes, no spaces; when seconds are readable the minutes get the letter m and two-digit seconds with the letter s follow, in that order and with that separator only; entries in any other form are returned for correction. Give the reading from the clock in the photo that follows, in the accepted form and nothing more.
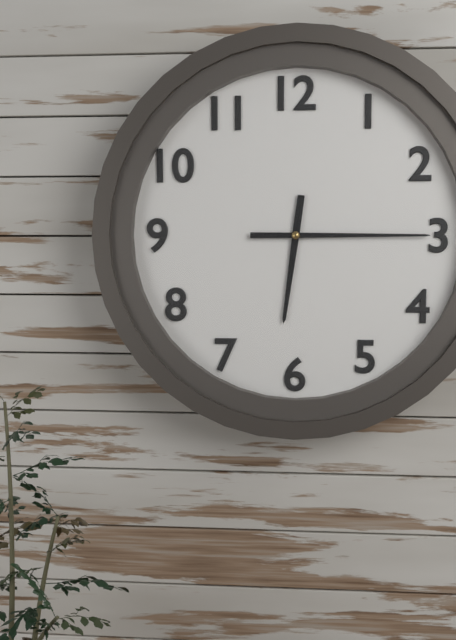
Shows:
6h15
